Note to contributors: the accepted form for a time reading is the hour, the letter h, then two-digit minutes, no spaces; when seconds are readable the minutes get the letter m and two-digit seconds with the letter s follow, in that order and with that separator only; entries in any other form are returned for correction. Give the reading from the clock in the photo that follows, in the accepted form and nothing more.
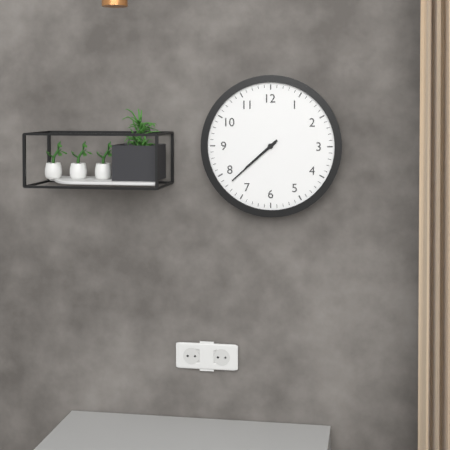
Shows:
7h38
